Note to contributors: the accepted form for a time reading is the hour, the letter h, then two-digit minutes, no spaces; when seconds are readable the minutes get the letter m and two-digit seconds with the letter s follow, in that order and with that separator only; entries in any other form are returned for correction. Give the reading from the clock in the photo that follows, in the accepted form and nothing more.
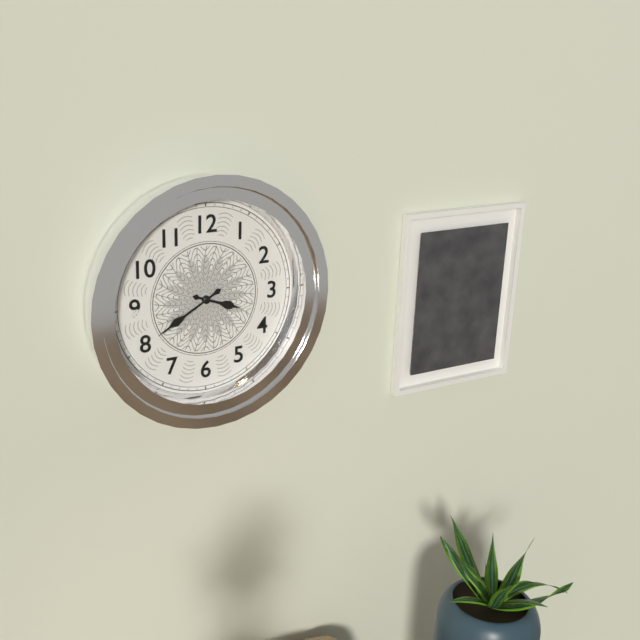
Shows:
3h40
